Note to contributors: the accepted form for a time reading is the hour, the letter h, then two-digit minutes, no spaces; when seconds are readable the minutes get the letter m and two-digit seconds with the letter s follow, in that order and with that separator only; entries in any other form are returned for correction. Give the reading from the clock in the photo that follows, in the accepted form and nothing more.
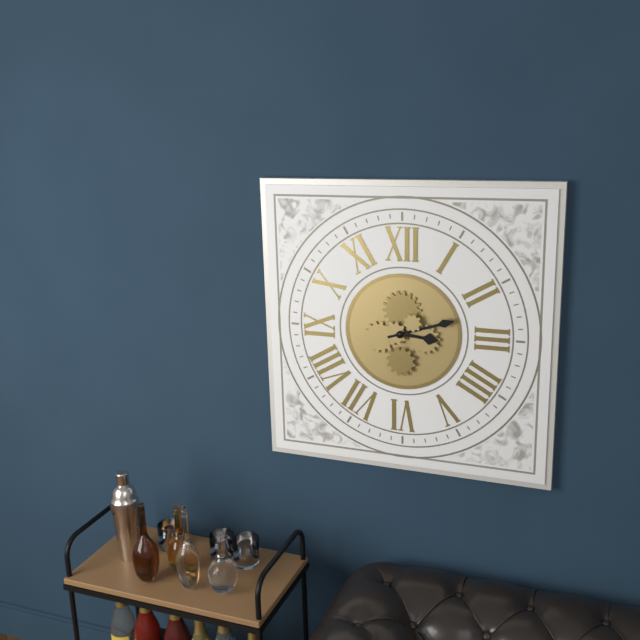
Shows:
3h12
